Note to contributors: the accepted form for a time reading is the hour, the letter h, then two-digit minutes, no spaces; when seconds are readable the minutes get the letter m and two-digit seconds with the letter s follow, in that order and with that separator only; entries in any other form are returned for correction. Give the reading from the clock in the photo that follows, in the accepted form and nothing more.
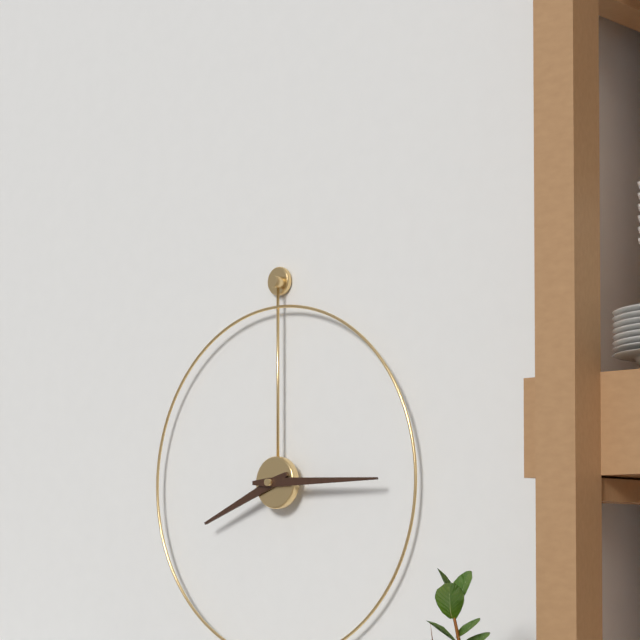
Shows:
8h15
